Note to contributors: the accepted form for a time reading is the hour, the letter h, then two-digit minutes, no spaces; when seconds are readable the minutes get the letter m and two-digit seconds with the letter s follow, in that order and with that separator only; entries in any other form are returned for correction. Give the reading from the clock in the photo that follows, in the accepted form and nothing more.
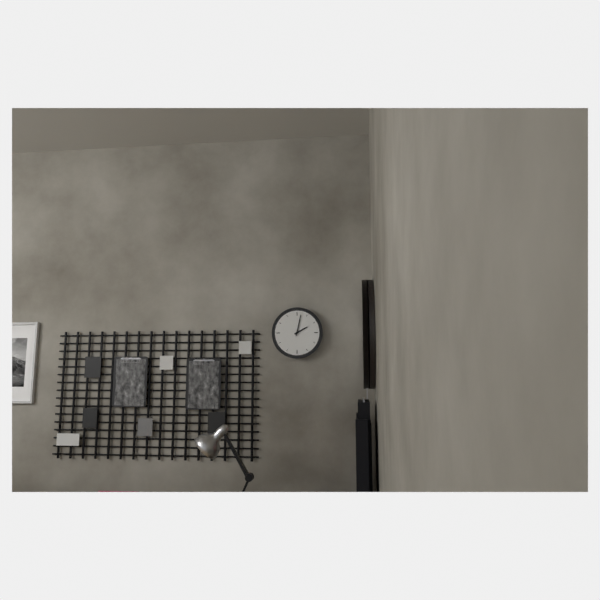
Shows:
2h02
